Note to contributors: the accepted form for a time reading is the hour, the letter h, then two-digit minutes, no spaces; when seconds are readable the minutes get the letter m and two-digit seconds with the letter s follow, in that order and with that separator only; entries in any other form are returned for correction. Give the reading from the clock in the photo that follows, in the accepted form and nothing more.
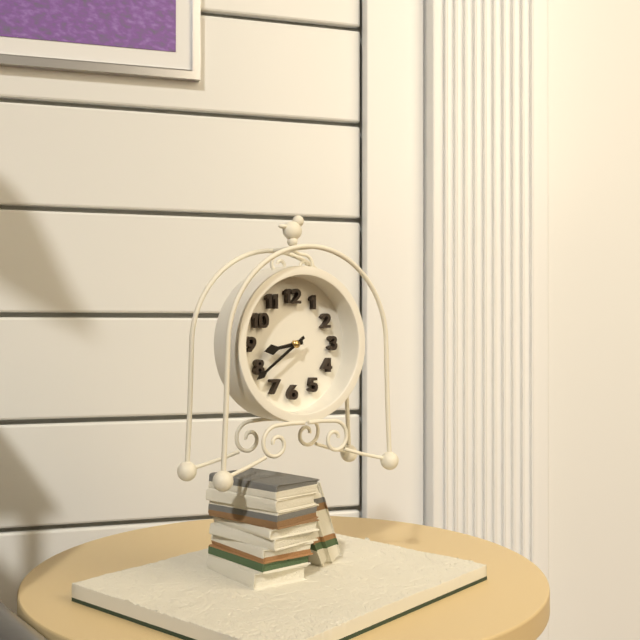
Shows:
8h39
